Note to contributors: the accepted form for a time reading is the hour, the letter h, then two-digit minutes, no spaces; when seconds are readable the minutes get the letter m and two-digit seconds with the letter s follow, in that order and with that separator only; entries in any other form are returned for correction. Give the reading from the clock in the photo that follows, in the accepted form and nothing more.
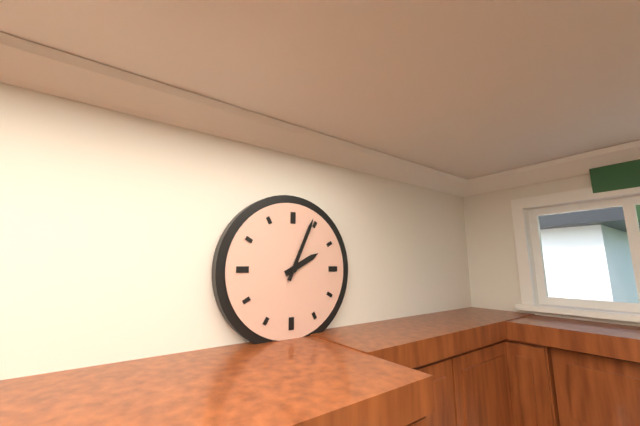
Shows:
2h04
